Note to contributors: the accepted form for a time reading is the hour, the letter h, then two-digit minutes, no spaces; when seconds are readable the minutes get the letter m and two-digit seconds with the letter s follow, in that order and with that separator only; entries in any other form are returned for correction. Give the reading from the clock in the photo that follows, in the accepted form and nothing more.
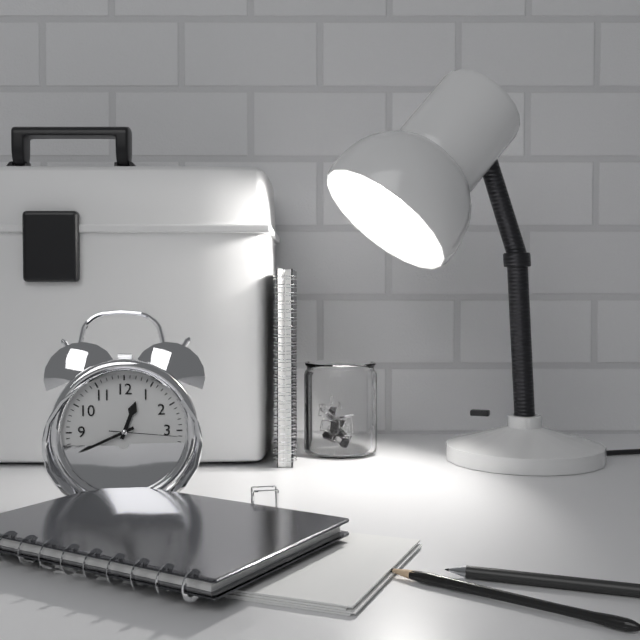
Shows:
12h41m16s
